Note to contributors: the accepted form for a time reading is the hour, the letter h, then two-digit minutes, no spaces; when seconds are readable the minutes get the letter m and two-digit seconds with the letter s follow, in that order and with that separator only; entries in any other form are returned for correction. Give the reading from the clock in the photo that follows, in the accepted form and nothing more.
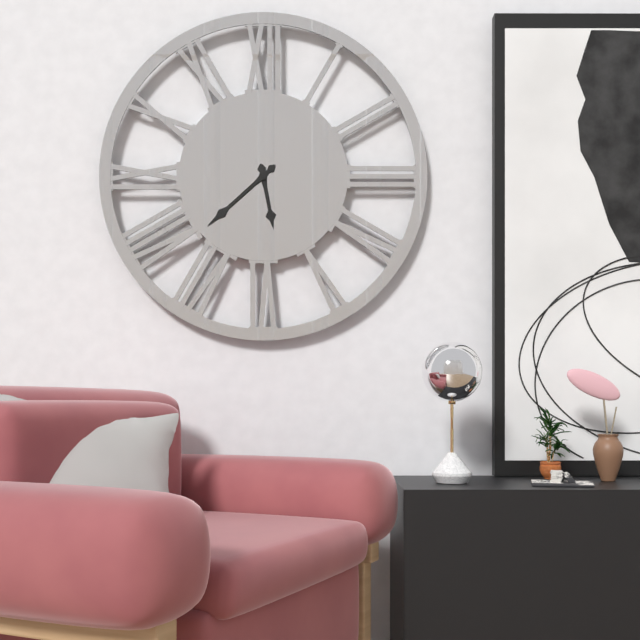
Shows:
5h38
